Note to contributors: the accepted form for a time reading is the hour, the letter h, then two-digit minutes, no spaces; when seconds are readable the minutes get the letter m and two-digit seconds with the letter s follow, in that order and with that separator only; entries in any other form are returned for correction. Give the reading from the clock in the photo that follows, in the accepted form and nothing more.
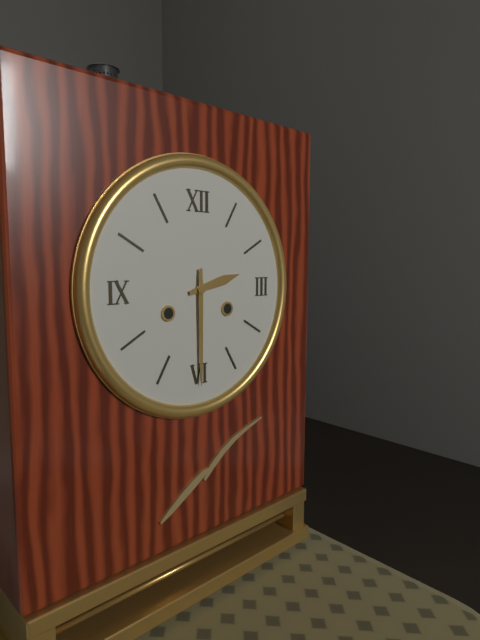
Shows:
2h30
